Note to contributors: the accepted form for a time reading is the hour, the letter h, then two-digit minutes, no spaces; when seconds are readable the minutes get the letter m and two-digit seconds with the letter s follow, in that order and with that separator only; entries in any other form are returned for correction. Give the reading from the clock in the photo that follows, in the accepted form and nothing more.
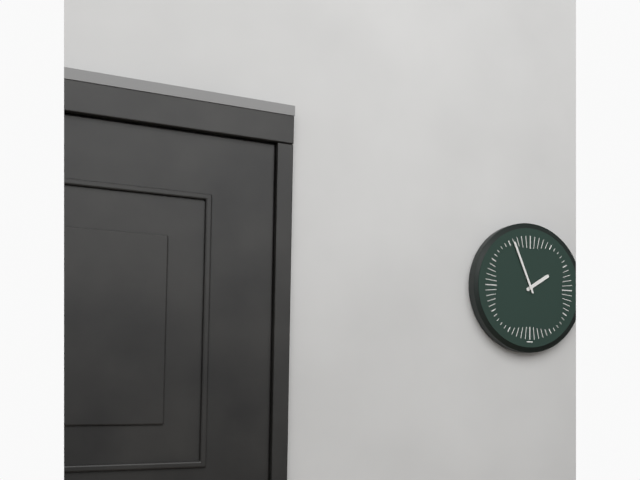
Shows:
1h56
